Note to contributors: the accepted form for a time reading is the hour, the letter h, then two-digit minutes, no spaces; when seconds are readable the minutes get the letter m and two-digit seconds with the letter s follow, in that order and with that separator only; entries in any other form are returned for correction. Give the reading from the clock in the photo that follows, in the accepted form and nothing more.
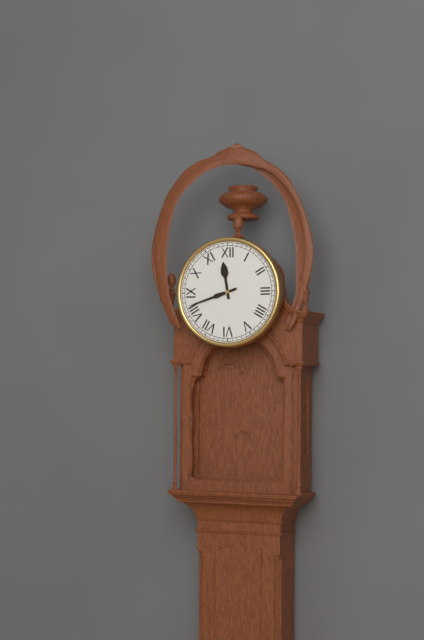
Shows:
11h42
